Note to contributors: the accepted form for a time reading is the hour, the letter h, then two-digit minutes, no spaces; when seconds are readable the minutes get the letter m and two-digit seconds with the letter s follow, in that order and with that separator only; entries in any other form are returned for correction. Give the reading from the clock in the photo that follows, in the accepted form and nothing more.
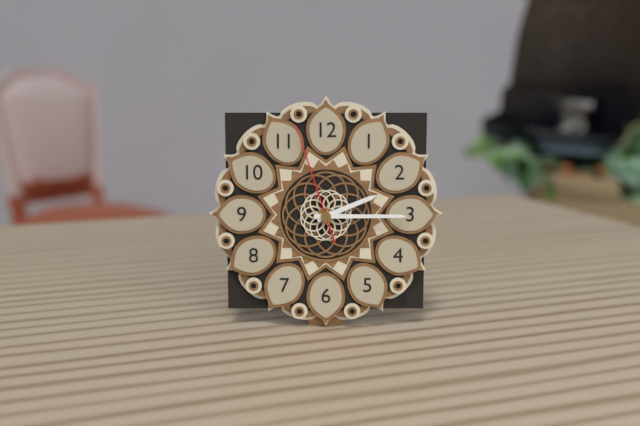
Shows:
2h15m57s
